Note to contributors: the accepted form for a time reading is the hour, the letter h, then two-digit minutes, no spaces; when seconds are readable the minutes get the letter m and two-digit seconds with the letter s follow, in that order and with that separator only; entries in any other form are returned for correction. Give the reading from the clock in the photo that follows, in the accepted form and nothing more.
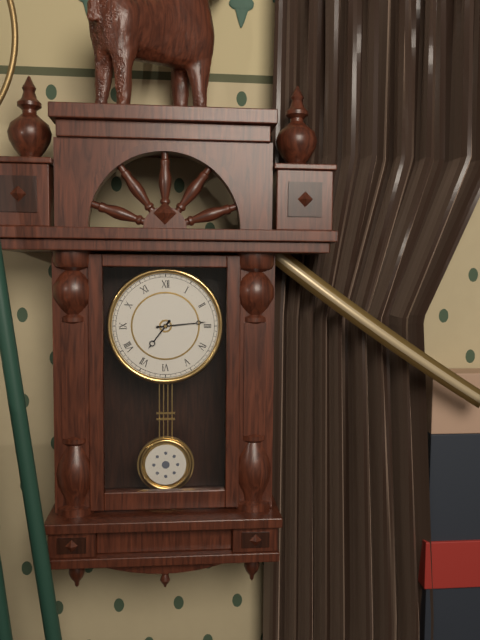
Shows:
7h14
